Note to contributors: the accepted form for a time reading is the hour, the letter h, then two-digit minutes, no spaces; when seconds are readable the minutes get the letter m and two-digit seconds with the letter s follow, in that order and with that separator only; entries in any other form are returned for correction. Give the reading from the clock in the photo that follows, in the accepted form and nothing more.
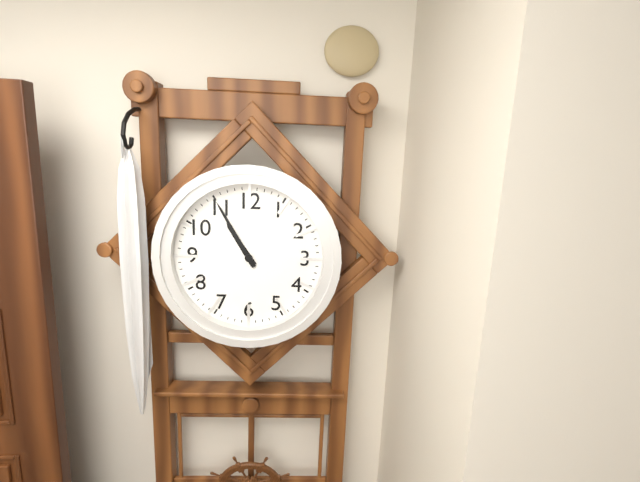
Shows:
10h55
